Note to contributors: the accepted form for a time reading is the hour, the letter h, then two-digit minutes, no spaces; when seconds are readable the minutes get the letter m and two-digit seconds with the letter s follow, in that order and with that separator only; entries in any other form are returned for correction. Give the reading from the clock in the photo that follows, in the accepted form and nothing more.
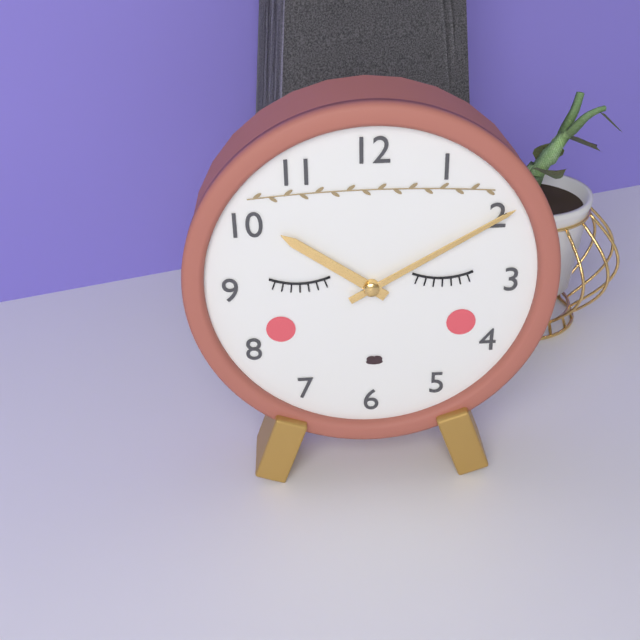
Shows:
10h10
